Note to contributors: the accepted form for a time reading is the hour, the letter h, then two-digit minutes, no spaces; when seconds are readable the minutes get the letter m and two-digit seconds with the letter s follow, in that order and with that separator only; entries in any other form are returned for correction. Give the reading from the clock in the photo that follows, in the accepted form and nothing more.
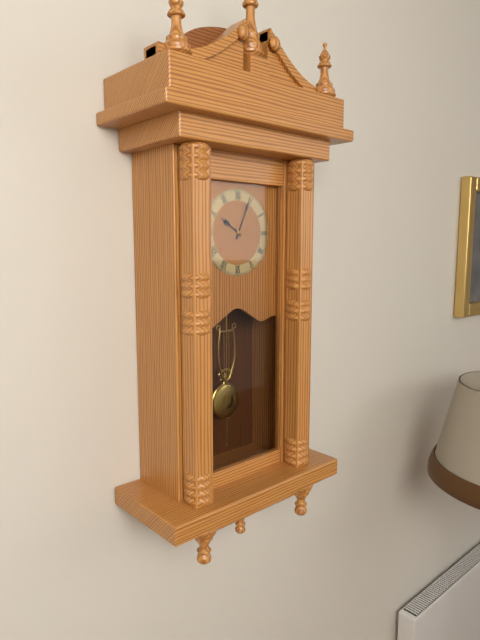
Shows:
10h04
